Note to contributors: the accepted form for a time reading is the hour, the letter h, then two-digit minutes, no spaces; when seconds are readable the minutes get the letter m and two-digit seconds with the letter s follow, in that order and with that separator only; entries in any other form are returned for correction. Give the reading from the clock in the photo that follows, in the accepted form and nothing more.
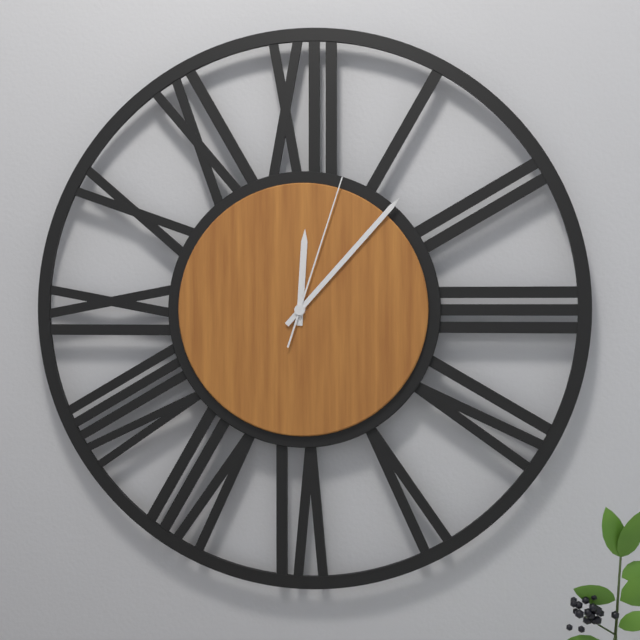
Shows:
12h07m03s
